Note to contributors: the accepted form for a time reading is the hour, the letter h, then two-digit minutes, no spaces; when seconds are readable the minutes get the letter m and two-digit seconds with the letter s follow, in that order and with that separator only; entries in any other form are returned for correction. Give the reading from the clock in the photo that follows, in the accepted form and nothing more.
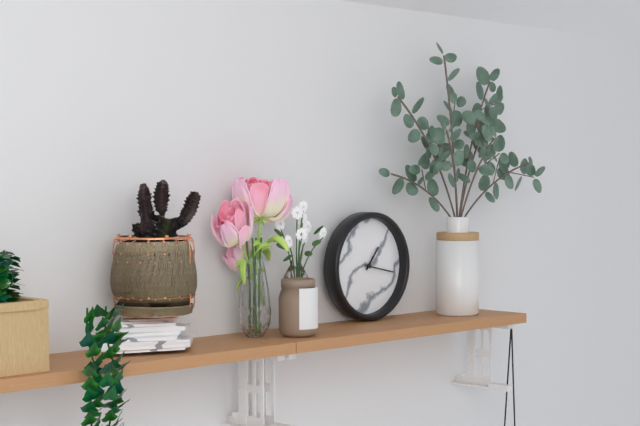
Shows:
1h17
